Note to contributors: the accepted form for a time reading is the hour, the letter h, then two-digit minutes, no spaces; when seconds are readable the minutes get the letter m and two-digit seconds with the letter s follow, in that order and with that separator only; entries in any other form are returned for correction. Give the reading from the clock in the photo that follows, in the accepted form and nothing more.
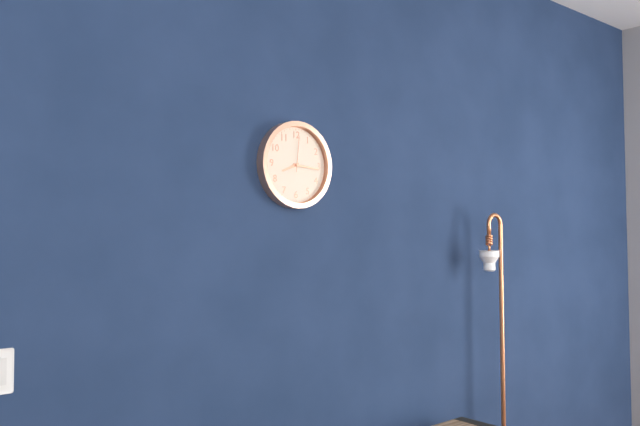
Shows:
8h16
